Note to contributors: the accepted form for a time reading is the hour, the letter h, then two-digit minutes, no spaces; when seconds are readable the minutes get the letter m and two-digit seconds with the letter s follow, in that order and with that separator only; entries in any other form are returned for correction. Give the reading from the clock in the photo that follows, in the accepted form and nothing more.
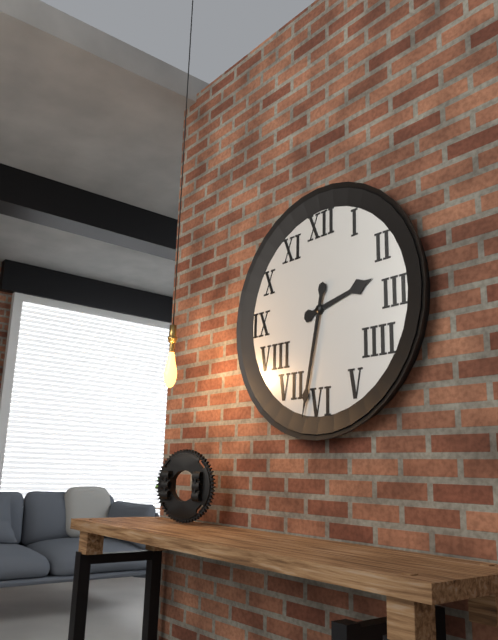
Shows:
2h32
